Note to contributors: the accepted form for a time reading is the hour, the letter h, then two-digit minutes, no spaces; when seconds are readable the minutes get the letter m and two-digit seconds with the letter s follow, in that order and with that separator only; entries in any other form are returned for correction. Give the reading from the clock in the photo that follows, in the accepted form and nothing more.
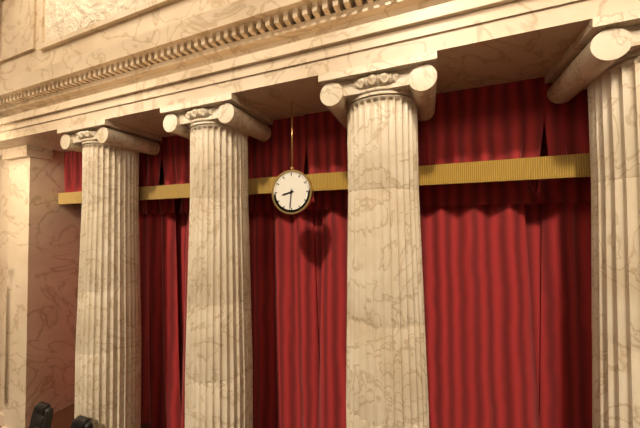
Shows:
8h31
